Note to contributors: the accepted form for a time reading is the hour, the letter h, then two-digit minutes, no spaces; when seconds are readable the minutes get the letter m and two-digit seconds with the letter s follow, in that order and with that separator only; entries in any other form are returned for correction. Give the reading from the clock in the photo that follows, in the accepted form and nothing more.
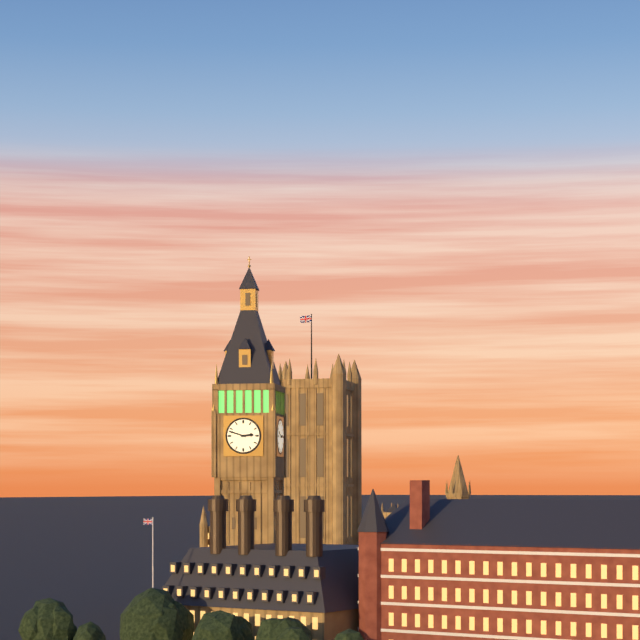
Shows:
2h48
